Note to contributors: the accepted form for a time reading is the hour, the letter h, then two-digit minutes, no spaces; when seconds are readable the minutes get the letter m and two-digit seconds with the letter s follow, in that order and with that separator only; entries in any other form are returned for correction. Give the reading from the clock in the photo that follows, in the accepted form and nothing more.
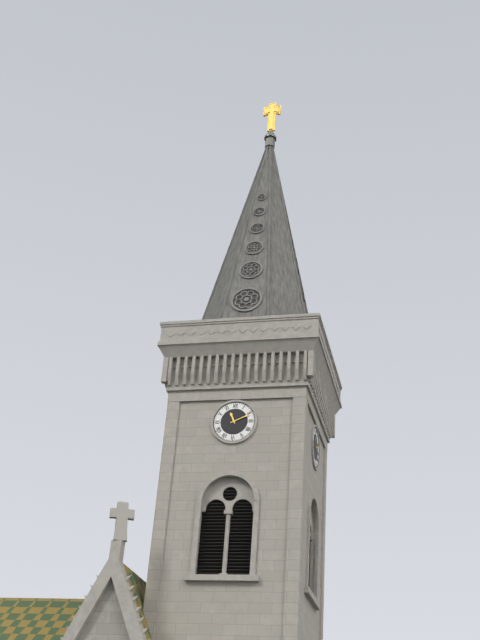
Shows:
11h11
